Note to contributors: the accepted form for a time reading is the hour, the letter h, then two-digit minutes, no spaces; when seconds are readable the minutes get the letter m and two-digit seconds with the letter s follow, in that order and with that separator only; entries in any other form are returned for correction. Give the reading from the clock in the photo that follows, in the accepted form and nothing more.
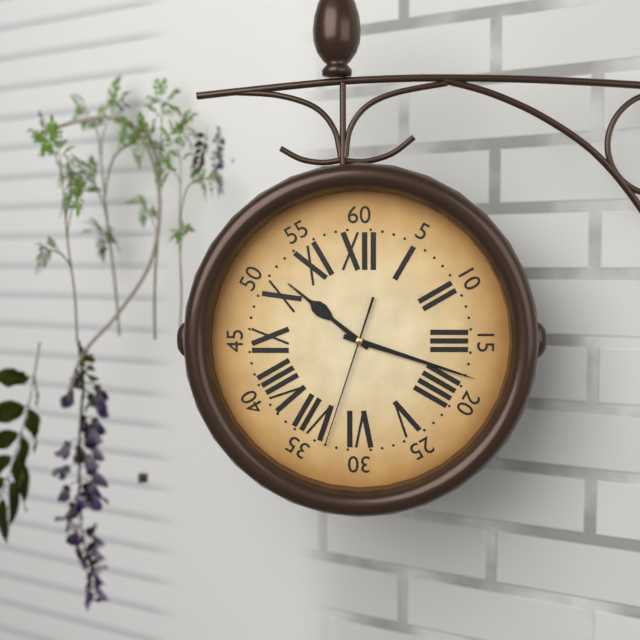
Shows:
10h18m33s
